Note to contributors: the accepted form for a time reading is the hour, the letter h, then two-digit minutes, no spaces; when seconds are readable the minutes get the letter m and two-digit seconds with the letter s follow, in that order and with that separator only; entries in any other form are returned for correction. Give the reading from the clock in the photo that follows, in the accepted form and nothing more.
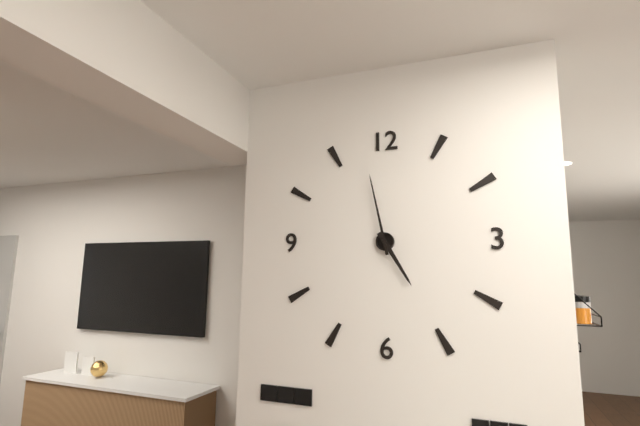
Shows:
4h58
